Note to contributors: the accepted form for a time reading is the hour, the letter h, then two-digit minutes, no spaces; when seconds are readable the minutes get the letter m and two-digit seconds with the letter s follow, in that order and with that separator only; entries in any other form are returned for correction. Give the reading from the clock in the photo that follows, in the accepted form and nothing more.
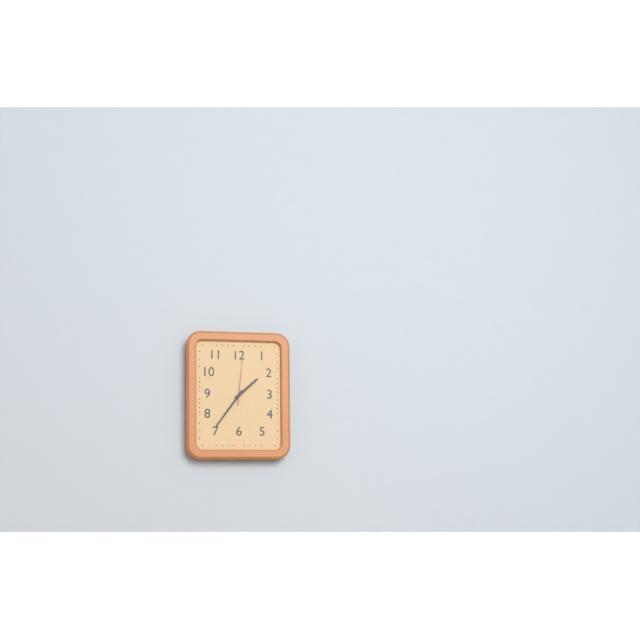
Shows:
1h36
